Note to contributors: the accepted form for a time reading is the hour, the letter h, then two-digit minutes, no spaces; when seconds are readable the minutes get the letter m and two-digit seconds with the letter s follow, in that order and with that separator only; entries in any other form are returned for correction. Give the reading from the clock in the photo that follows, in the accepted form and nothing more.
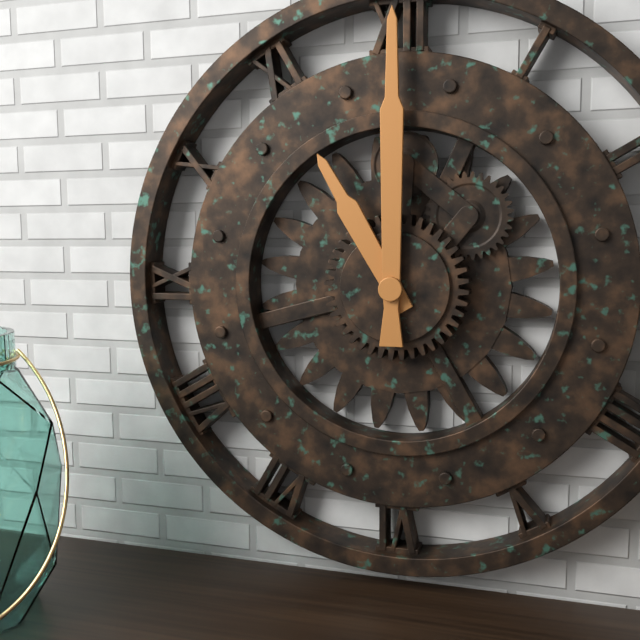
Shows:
11h00
